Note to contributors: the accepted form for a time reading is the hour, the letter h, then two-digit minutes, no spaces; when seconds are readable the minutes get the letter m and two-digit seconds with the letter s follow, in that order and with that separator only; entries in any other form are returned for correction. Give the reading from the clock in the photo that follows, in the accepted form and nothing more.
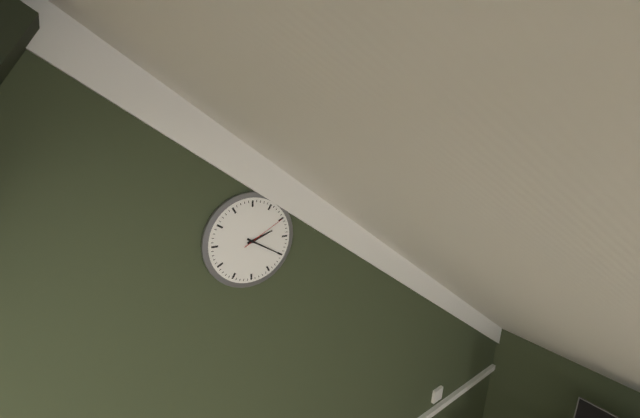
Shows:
2h20
